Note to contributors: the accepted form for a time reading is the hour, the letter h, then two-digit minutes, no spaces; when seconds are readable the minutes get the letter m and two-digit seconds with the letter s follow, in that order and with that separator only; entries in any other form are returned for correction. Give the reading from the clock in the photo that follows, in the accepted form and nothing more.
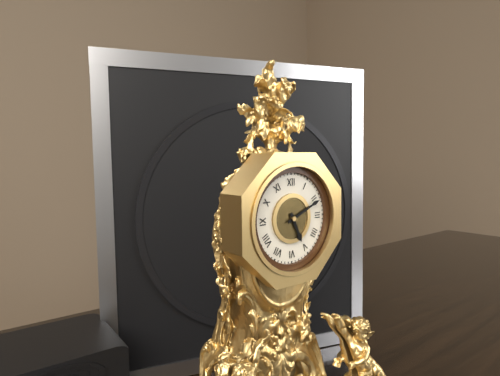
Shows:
5h11
